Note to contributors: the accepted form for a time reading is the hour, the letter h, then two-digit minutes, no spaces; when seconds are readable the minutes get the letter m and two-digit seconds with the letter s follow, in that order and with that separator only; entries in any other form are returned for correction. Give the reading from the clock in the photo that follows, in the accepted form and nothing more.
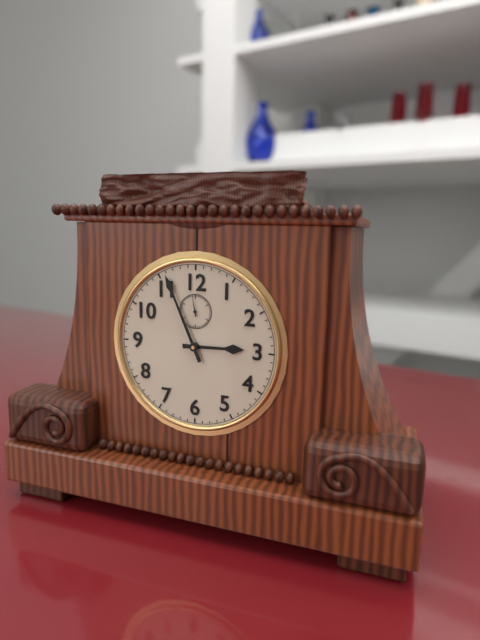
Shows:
2h56
